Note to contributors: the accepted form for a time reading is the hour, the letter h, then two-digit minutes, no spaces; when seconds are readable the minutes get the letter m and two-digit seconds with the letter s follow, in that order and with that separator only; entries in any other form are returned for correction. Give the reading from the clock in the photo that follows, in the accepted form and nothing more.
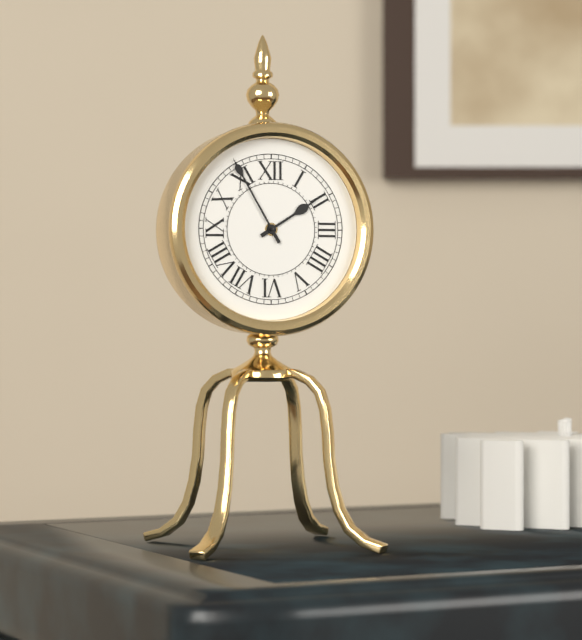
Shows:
1h55
